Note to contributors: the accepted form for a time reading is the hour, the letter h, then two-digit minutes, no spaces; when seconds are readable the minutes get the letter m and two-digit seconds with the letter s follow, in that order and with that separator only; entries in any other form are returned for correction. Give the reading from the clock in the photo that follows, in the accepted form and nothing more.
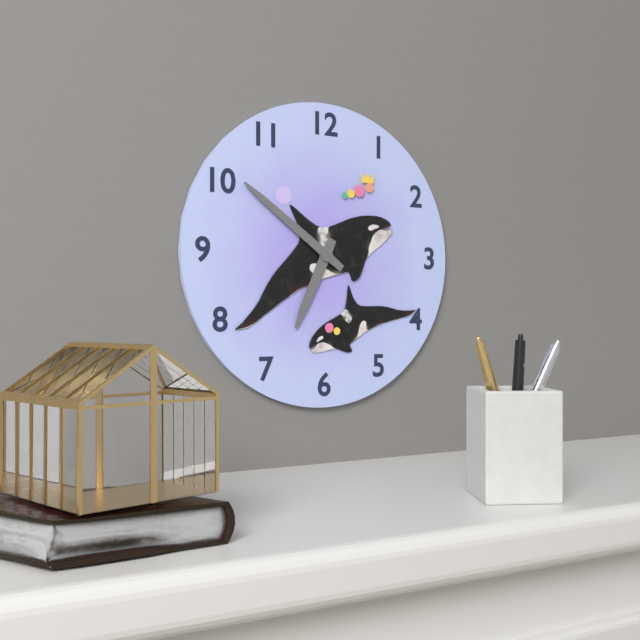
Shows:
6h51
